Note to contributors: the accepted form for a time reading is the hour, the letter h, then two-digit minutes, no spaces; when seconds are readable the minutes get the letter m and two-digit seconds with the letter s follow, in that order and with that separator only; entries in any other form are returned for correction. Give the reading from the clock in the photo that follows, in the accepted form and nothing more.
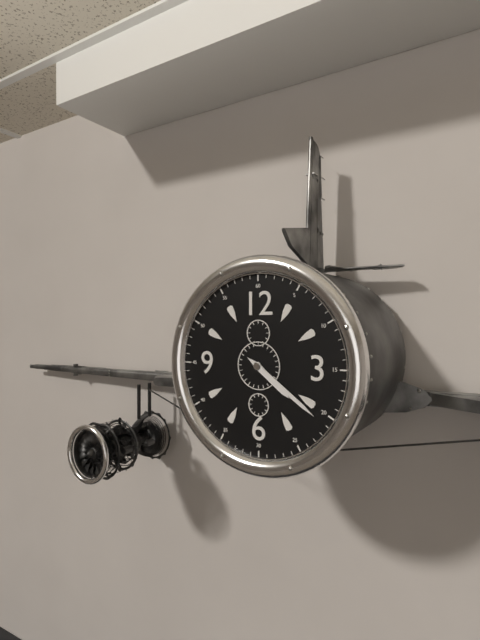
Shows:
4h21
